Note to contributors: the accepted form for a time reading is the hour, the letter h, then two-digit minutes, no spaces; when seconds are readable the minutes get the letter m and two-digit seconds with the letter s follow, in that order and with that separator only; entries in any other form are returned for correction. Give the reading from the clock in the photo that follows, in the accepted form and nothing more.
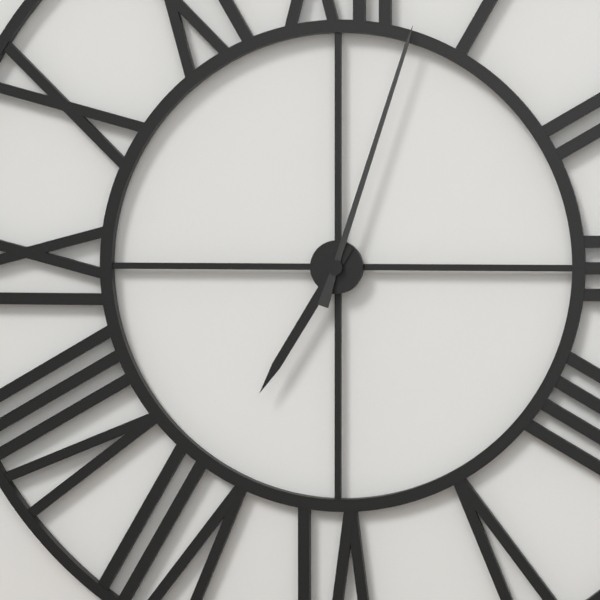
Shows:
7h03
